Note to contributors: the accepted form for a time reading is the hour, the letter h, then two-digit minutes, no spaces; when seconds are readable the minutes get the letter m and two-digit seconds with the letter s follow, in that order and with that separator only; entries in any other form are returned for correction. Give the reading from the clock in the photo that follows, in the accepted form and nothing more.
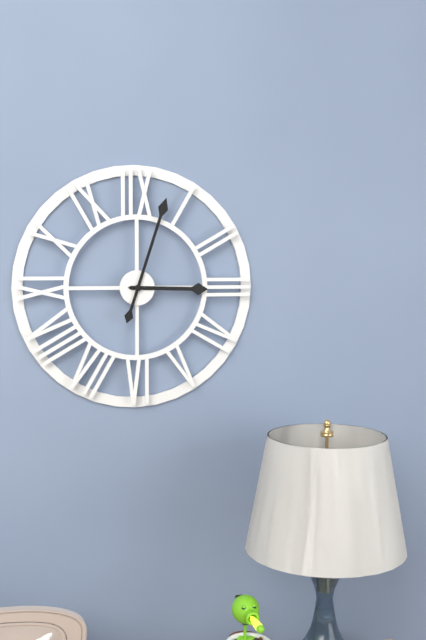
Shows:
3h03
